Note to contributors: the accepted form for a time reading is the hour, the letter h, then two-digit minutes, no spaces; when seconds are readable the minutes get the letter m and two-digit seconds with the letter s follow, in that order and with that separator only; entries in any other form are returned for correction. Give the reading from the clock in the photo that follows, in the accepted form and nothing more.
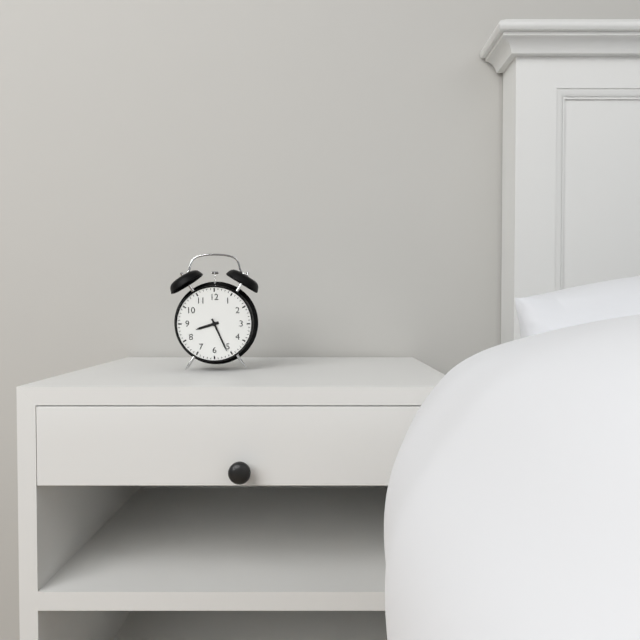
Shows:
8h26
